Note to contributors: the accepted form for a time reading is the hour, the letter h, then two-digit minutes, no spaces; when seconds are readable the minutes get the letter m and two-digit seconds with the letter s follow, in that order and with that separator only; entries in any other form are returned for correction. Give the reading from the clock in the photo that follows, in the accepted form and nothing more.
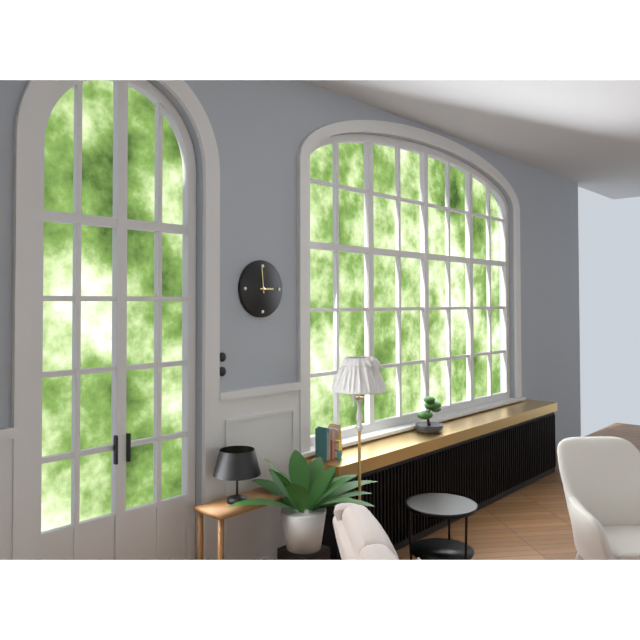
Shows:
2h59
